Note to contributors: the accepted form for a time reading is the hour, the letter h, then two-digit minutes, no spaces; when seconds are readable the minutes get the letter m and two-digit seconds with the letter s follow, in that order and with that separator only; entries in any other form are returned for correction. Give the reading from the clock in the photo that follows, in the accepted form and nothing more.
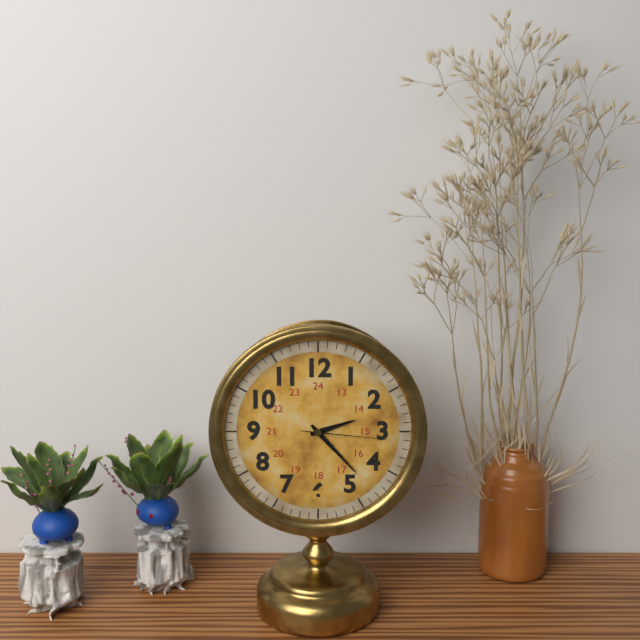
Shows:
2h23m16s
